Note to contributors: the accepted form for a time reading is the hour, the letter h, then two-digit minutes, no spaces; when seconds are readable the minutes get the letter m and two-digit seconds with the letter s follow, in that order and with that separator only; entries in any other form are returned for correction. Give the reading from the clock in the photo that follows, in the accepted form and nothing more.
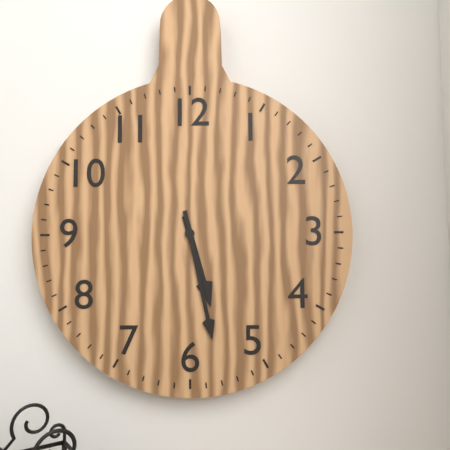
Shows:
5h28
